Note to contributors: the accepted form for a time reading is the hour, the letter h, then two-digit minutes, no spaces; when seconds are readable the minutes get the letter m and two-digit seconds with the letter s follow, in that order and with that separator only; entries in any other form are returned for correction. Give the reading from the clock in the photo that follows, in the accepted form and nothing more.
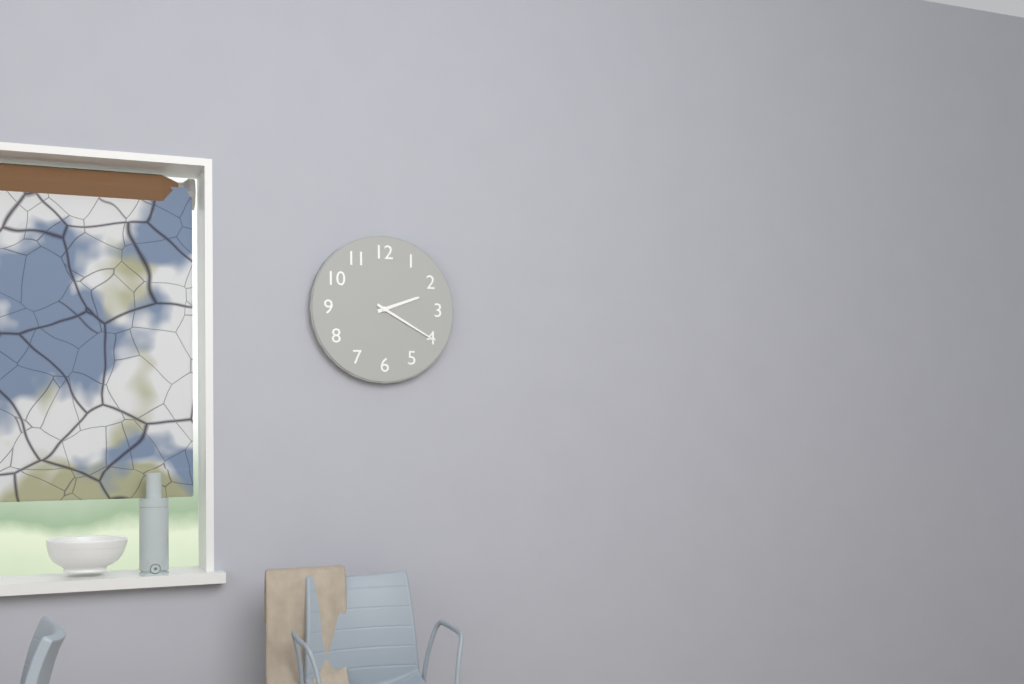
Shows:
2h20
